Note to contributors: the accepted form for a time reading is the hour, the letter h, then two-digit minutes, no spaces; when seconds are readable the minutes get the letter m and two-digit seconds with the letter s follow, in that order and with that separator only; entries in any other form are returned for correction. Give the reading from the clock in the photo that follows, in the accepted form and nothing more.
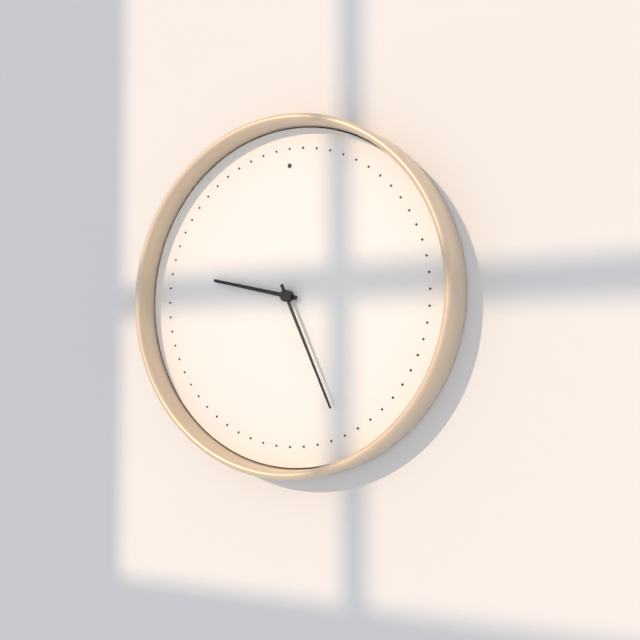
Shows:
9h26
